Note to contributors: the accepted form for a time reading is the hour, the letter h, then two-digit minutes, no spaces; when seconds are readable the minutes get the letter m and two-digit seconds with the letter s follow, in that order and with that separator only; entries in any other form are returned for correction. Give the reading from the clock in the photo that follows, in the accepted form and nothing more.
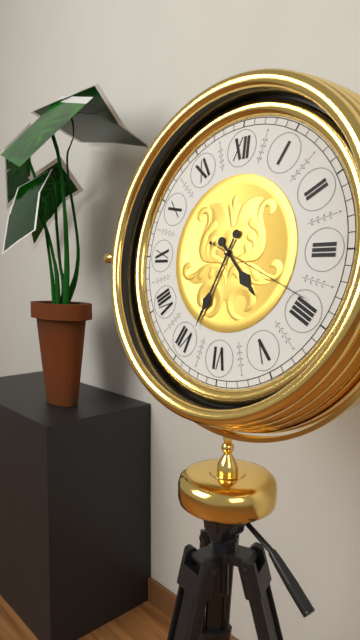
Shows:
4h34m19s
